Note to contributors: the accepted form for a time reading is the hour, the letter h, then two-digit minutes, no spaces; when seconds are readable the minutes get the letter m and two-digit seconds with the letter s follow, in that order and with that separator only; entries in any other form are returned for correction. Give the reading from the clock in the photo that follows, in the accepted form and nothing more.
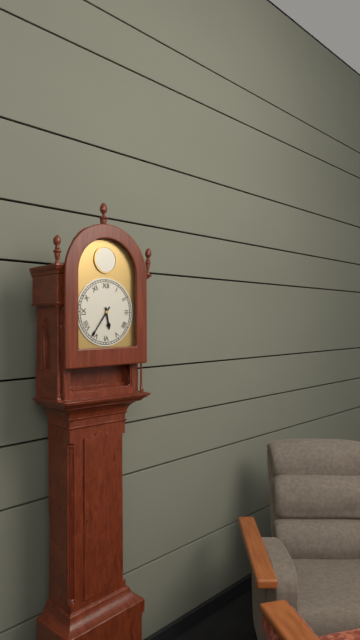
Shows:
5h36
